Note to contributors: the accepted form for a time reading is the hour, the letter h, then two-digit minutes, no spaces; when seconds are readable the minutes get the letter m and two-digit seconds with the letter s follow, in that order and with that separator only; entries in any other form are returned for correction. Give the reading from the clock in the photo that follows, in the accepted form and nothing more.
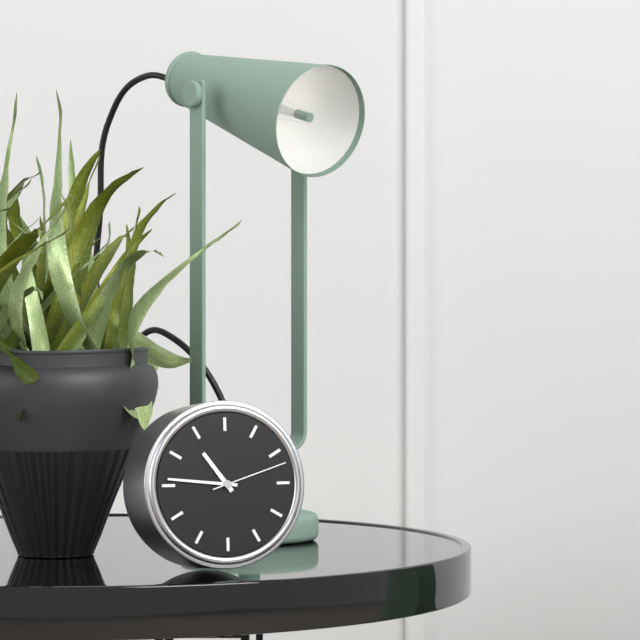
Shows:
10h46m12s
